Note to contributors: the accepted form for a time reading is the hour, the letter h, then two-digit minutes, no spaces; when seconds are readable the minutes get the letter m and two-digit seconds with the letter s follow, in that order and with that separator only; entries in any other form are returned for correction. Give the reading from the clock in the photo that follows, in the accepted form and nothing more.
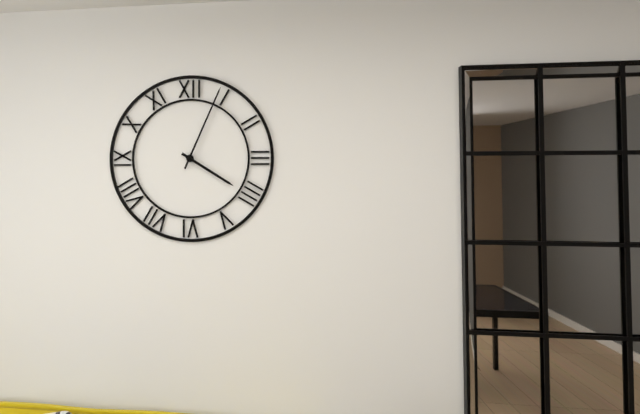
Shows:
4h04
